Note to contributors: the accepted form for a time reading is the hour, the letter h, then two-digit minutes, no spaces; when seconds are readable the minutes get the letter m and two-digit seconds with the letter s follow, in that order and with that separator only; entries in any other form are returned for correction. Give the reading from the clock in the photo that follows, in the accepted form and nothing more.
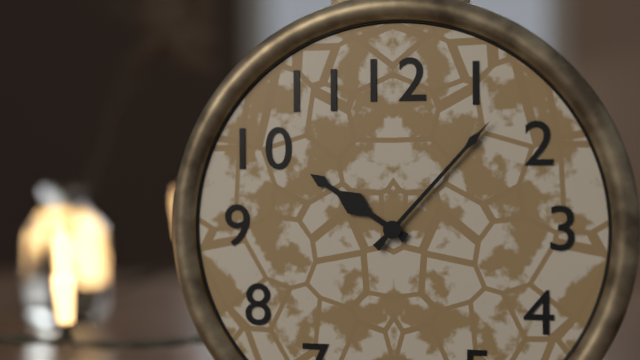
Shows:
10h07
